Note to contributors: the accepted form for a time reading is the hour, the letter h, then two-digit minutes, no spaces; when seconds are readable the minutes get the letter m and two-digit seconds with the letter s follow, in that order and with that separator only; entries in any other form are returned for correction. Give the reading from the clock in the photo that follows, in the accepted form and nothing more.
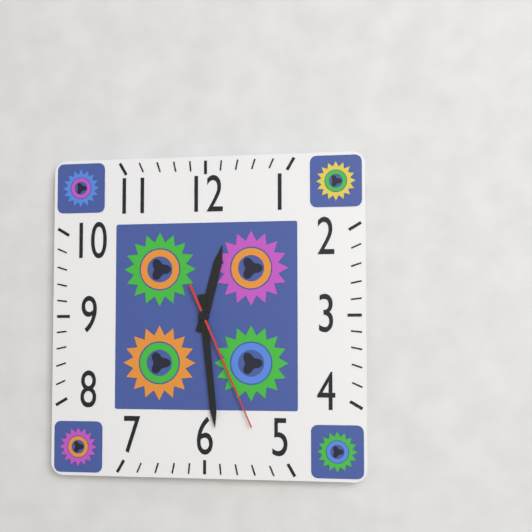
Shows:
12h29m26s
